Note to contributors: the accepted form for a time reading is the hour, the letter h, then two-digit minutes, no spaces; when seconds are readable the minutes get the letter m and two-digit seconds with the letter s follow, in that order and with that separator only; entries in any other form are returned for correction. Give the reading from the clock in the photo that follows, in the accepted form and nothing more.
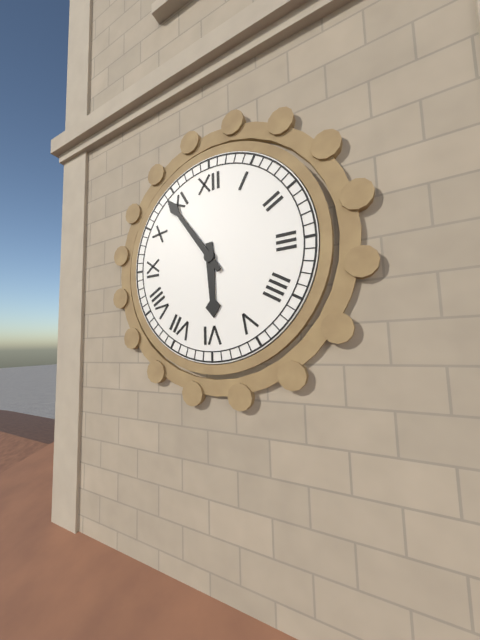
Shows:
5h54
